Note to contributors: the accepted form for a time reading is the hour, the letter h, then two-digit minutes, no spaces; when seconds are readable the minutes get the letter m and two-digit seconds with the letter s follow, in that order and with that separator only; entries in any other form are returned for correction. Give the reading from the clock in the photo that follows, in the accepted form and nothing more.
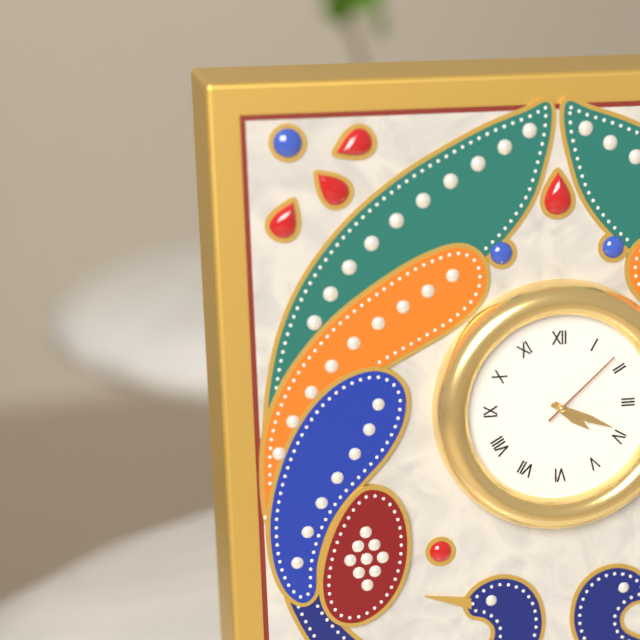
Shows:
4h19m08s
